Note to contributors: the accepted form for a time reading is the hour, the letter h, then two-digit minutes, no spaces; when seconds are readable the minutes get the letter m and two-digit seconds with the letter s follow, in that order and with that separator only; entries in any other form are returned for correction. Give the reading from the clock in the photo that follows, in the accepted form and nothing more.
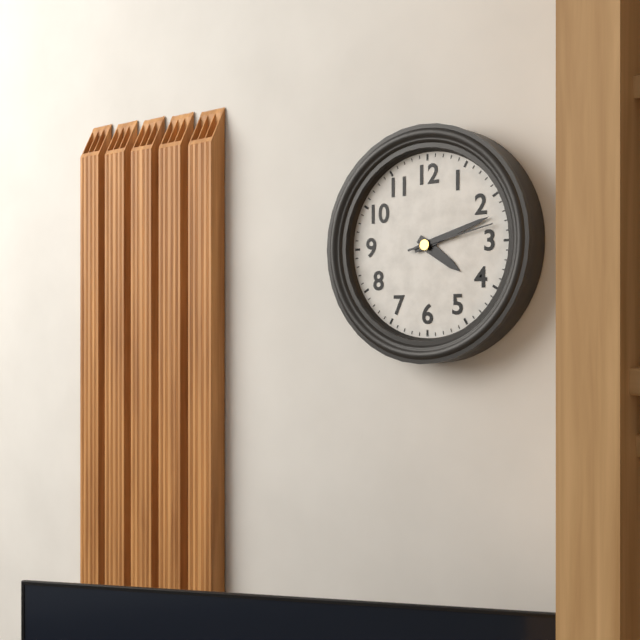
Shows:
4h12m13s
